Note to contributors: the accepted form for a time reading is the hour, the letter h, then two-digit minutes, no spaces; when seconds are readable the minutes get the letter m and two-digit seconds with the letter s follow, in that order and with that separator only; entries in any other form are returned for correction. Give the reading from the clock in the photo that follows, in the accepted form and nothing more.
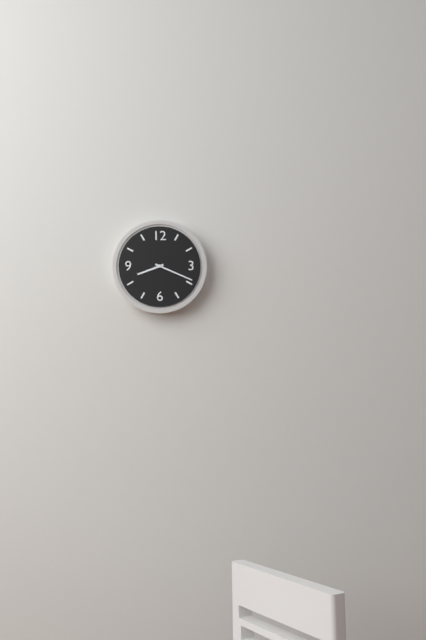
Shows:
8h19
